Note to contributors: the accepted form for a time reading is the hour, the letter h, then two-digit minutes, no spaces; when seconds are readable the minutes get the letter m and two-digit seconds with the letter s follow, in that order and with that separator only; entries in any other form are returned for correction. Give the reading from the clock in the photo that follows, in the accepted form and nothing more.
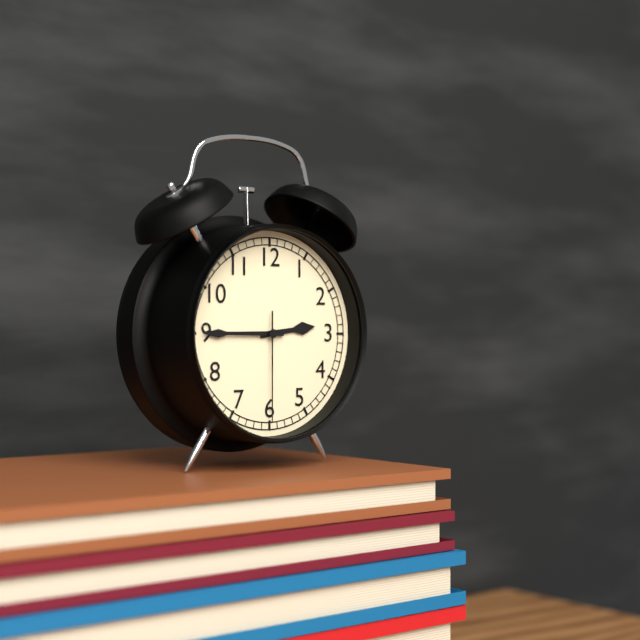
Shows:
2h45m30s
